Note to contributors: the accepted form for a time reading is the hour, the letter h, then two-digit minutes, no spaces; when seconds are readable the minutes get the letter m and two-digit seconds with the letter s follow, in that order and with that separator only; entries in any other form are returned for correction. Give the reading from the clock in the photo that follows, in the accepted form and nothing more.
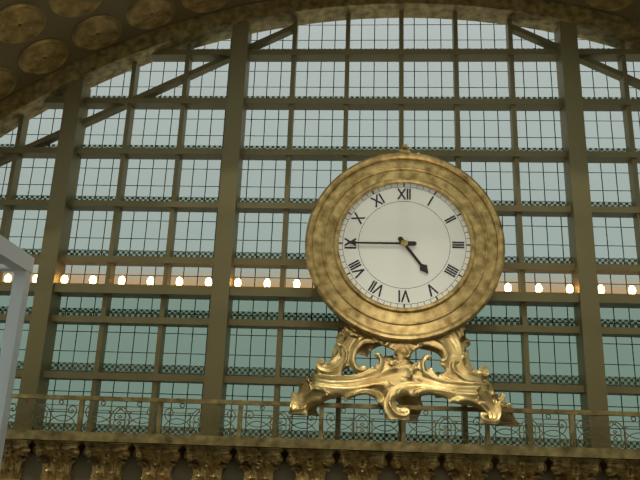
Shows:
4h45
